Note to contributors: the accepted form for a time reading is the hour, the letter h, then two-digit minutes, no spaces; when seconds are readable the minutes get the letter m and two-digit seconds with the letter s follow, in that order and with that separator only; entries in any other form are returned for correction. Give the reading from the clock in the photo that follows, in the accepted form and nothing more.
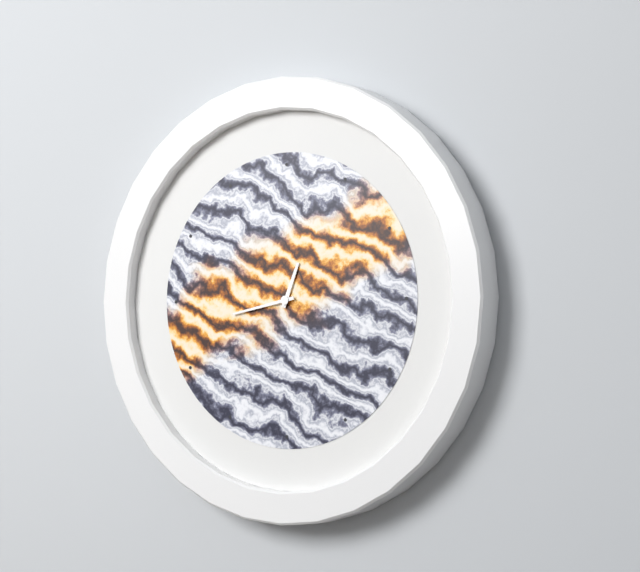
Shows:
12h43
